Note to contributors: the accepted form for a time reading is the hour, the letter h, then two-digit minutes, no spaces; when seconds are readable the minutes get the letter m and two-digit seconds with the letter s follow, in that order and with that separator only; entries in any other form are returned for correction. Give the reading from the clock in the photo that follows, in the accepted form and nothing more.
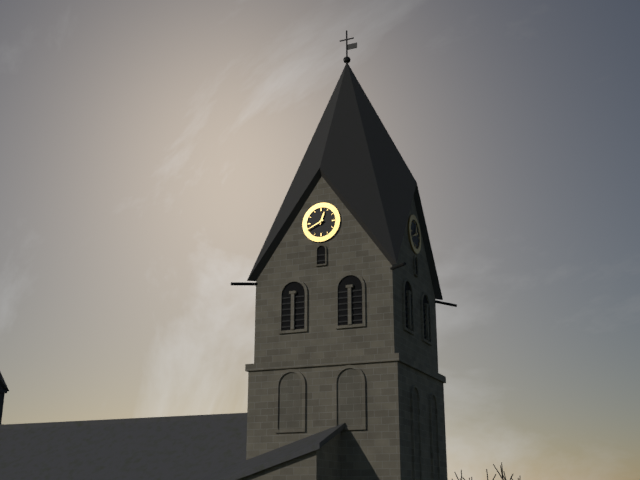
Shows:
12h41
